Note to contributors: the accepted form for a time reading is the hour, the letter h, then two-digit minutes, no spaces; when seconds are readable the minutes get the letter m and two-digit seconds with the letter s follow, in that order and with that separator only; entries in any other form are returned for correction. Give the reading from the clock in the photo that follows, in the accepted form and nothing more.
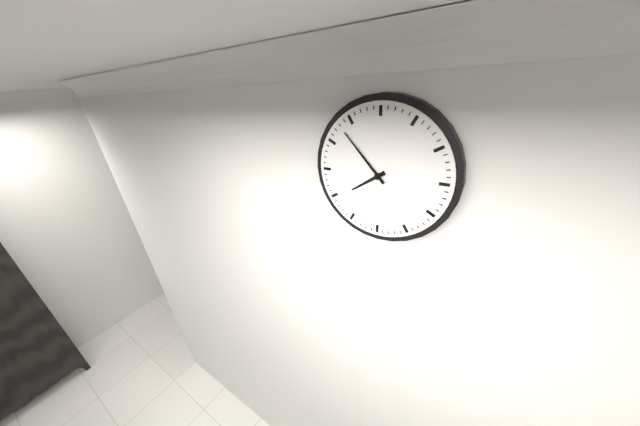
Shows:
7h53
